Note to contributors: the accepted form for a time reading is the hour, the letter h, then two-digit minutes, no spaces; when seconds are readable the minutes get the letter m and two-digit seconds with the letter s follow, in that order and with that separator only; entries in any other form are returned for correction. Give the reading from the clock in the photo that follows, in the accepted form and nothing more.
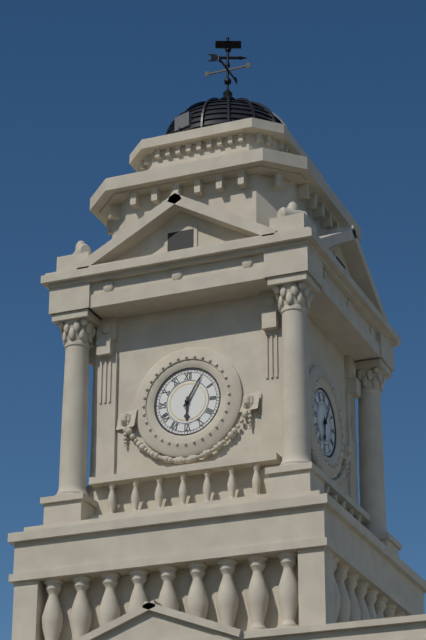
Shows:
6h05
